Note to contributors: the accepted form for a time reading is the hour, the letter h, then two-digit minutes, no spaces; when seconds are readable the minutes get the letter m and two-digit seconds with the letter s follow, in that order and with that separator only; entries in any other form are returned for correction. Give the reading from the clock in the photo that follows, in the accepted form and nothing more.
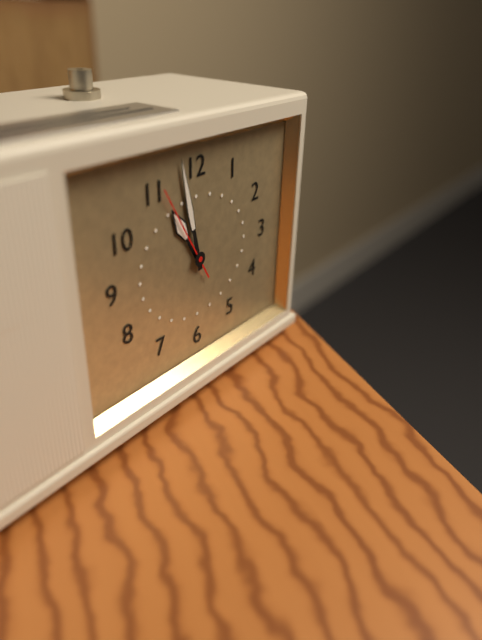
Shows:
10h58m55s
